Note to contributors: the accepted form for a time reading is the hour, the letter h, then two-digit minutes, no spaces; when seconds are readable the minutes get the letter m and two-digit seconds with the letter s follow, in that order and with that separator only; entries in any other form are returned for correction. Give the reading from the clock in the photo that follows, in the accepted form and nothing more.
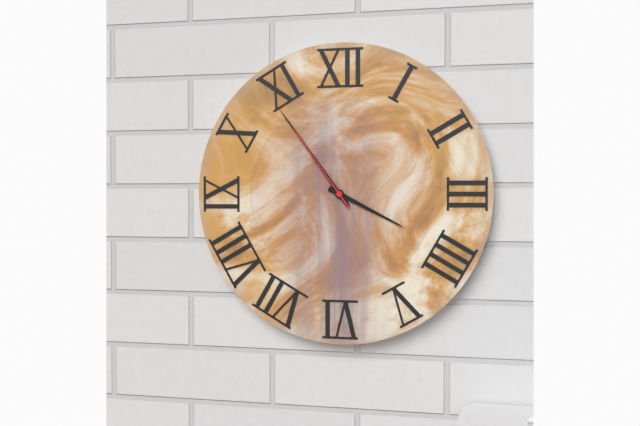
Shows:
3h54m54s
